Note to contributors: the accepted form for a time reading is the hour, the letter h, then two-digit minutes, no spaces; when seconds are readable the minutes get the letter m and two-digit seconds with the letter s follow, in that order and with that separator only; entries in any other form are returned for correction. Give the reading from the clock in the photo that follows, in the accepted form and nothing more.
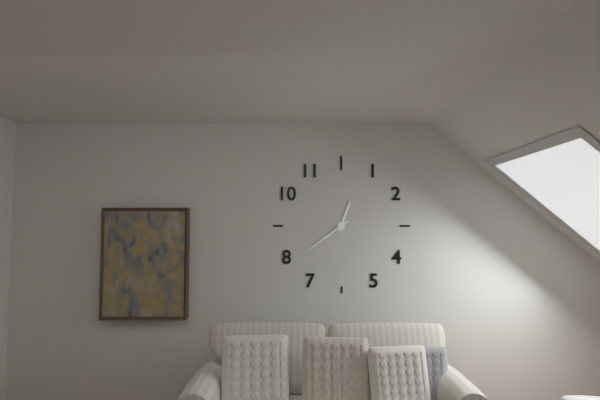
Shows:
12h39
